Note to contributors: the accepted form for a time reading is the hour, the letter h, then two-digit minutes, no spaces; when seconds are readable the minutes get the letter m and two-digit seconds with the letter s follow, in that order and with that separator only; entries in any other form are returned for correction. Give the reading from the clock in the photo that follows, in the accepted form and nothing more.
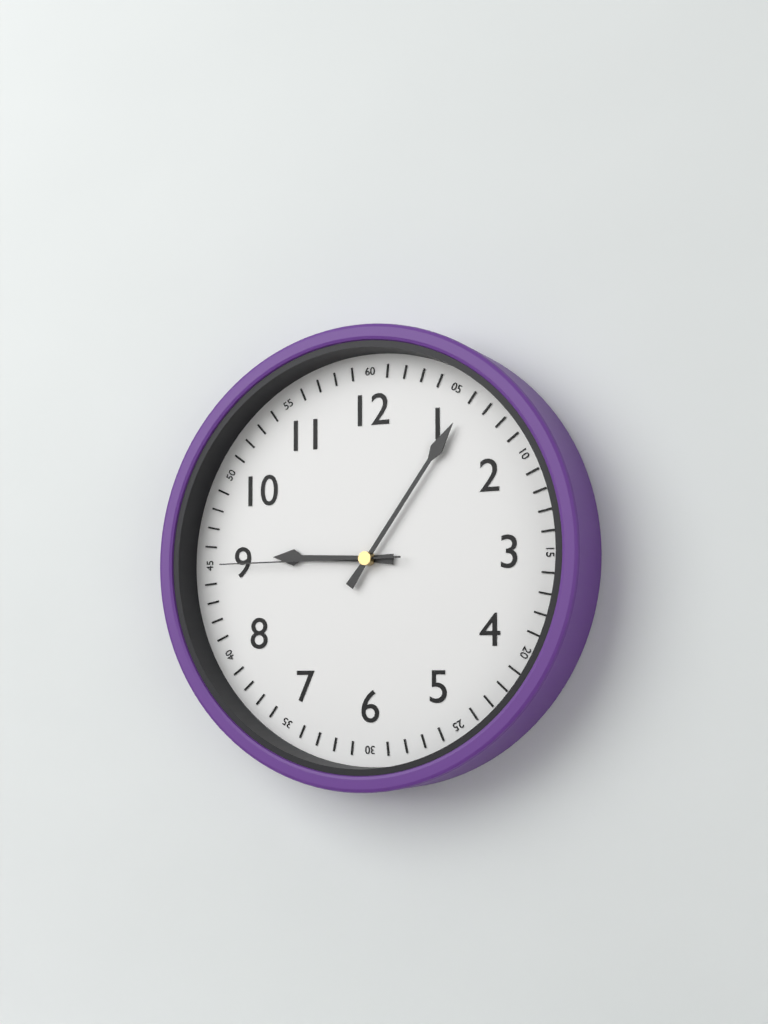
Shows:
9h06m45s
